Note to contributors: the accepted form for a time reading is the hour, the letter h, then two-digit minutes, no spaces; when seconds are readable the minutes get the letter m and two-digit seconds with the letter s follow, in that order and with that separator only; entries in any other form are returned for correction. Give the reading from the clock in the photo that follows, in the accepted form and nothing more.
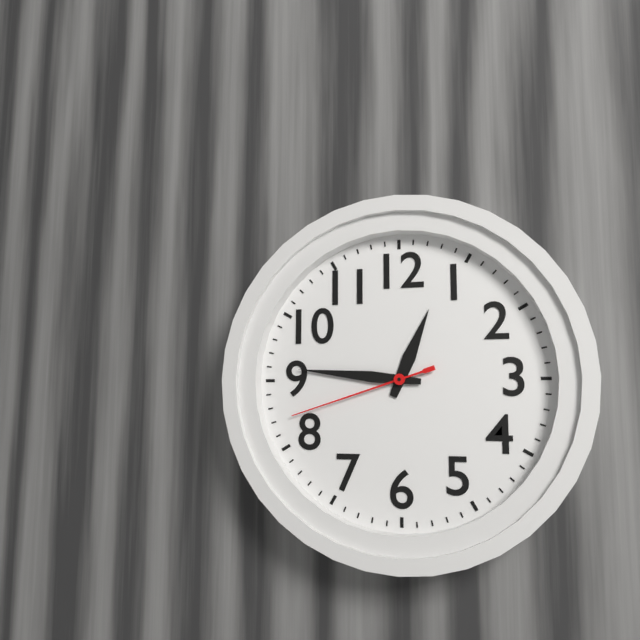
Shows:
12h46m42s
